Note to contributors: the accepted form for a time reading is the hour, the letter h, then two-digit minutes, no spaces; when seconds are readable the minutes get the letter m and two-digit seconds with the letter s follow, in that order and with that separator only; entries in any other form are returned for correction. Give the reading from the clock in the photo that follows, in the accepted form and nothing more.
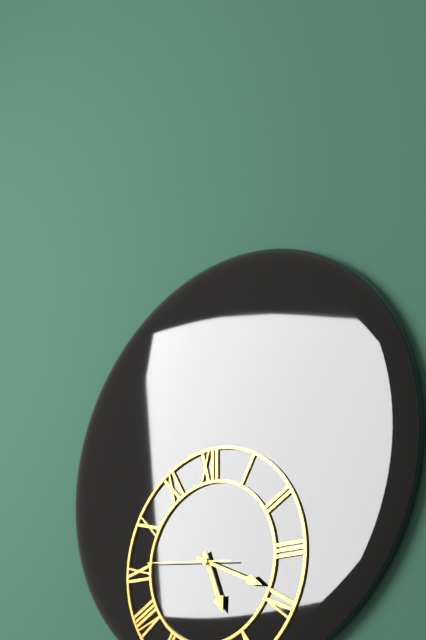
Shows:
5h19m46s
